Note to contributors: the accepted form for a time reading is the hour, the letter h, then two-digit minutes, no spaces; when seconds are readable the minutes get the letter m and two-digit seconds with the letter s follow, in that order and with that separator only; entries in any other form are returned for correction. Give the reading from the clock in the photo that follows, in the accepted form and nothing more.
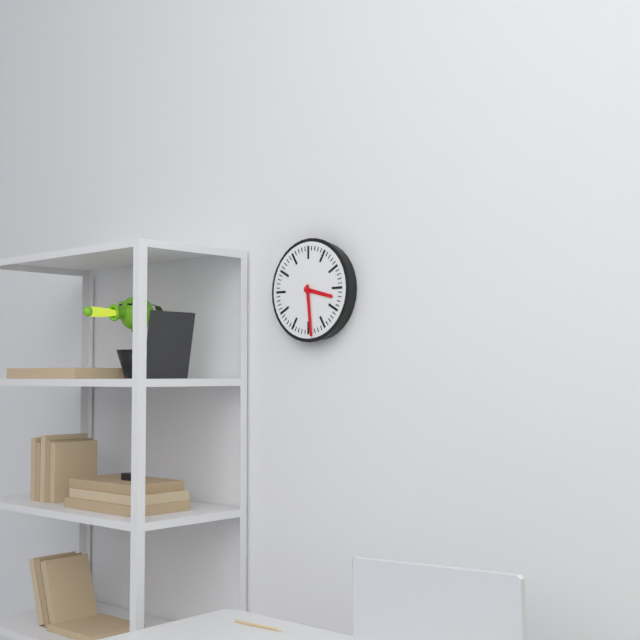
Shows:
3h29
